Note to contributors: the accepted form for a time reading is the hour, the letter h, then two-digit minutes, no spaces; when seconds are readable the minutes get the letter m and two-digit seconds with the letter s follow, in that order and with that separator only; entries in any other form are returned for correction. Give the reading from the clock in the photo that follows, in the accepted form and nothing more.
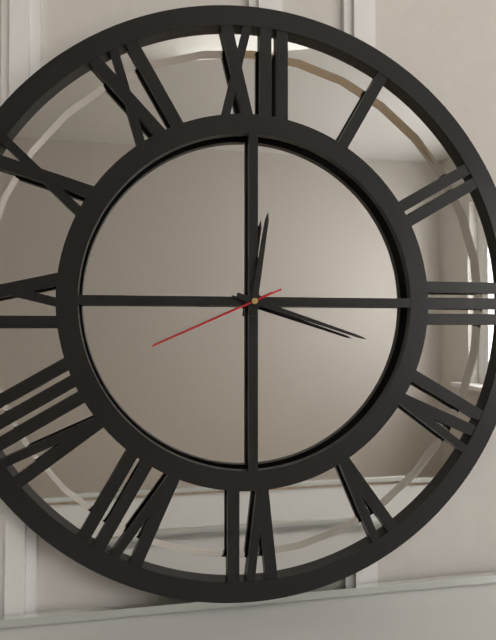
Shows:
12h18m41s
